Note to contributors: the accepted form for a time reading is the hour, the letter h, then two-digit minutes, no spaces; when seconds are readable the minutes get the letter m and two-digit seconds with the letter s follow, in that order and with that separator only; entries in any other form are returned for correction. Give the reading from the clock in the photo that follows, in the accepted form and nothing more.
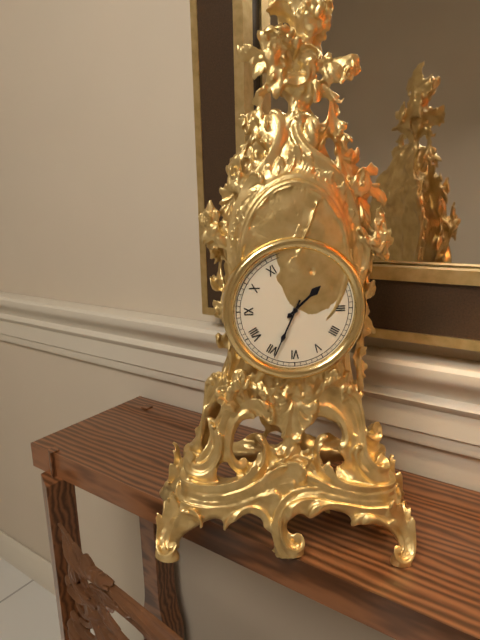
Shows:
1h34
